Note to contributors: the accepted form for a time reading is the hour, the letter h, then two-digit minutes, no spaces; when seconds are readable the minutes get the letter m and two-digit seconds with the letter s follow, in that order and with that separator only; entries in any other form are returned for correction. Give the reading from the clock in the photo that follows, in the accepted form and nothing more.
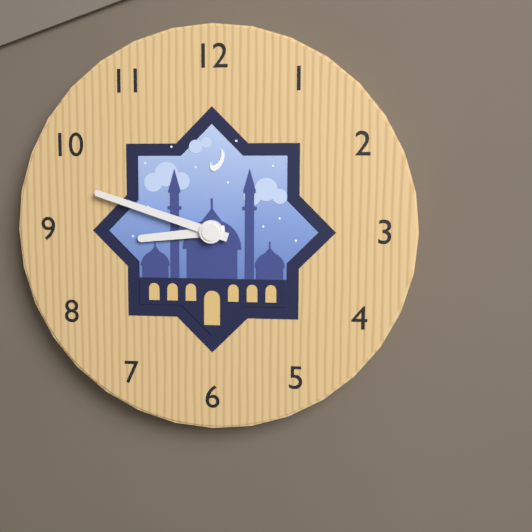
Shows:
8h48
